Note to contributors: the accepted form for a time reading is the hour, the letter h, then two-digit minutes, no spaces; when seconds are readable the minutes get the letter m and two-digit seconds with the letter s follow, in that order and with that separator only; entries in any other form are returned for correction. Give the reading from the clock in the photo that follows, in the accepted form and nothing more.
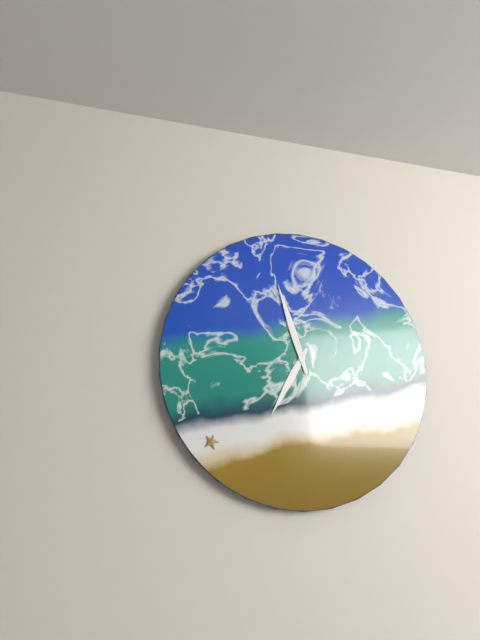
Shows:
6h57
